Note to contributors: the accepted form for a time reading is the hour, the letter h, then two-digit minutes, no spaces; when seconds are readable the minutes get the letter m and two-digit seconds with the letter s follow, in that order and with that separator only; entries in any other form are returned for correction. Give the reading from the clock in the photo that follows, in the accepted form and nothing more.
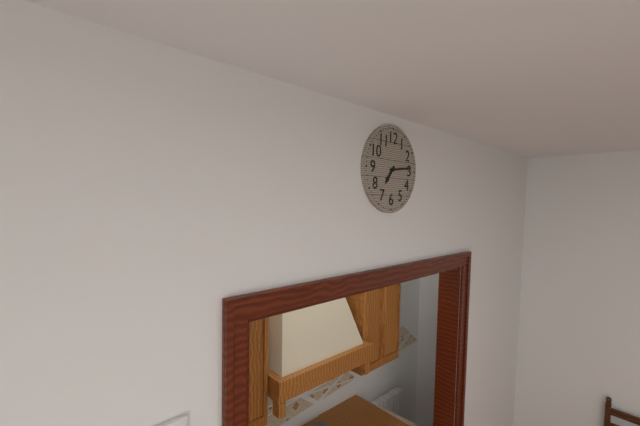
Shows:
7h14
